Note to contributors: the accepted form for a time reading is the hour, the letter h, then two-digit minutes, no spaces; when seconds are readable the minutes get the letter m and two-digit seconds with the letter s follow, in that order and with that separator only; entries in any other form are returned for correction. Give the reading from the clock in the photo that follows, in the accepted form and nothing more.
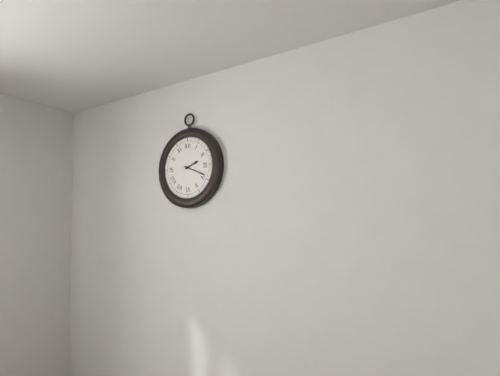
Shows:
2h19
